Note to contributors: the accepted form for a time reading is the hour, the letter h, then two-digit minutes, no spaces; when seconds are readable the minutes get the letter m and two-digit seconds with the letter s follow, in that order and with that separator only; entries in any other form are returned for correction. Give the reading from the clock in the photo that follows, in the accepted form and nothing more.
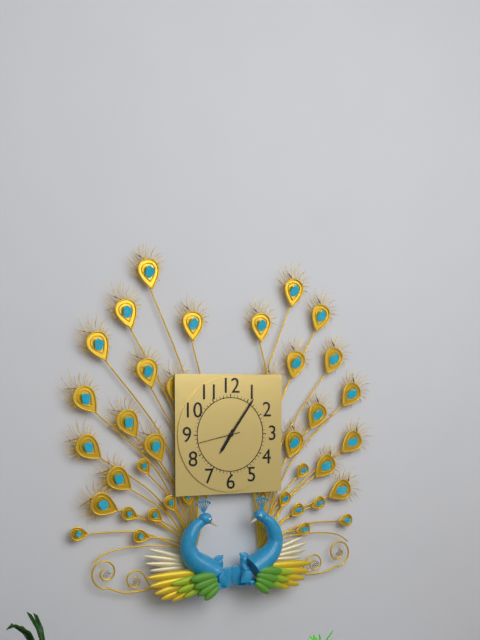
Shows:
7h06
